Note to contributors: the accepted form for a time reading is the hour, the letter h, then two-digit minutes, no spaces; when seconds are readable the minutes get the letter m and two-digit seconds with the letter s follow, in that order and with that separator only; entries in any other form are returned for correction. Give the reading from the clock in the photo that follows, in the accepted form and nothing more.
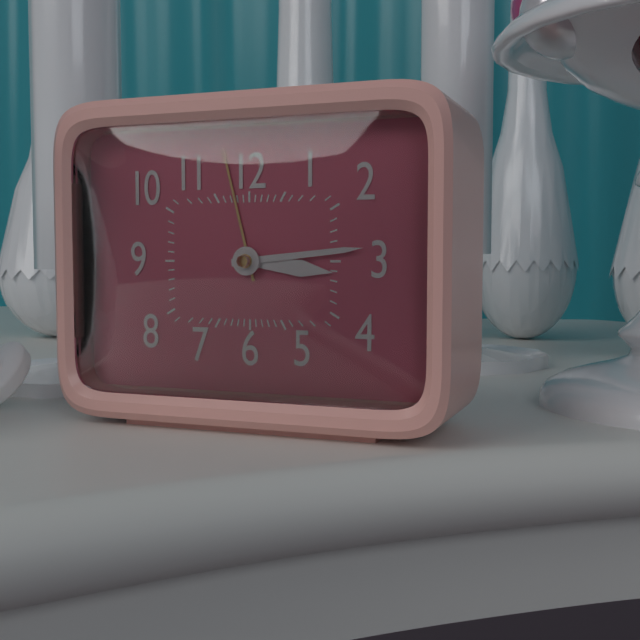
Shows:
3h14
